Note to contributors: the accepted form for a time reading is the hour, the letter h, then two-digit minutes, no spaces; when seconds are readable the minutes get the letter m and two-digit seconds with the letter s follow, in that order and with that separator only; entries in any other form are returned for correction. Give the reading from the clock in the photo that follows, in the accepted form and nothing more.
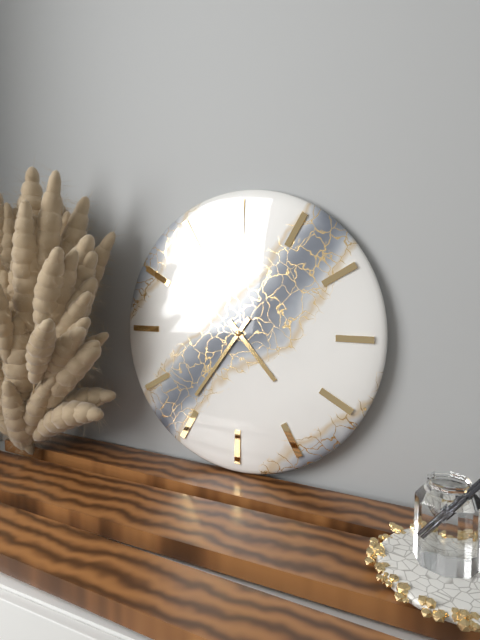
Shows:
4h36
